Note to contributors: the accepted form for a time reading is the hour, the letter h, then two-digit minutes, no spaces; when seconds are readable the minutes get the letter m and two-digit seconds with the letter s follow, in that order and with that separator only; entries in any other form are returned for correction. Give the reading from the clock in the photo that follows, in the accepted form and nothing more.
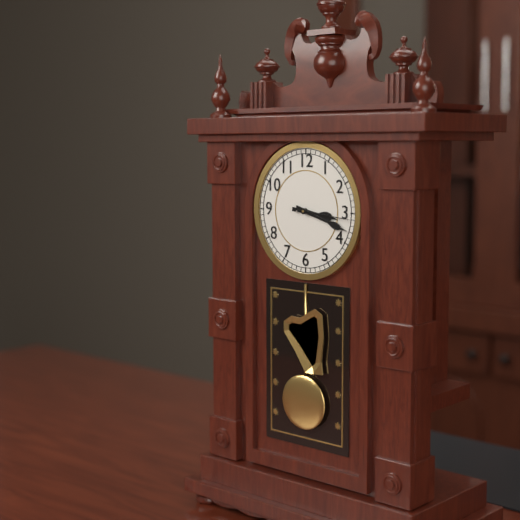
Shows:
3h18m16s
